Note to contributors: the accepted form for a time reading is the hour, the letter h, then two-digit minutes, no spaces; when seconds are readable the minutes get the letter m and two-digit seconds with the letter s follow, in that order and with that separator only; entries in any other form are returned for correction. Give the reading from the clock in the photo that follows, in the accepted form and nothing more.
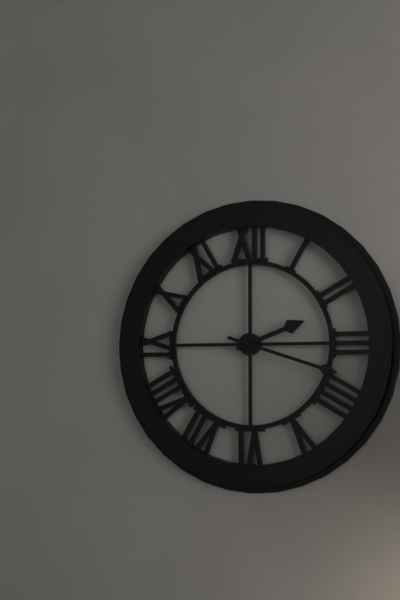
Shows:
2h18
